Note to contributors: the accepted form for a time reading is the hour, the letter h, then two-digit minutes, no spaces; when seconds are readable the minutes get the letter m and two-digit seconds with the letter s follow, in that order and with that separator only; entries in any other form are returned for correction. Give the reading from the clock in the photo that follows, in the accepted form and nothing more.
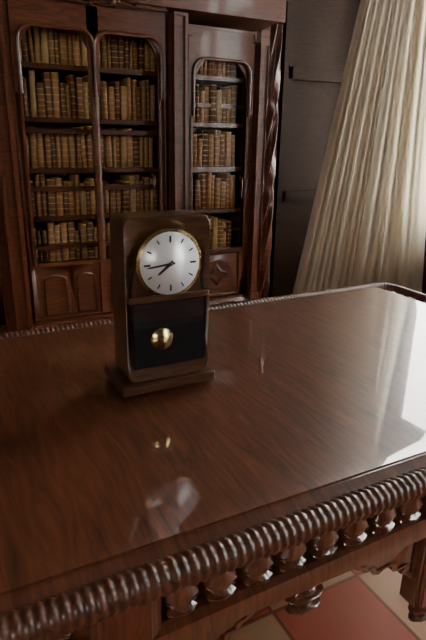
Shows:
7h44
